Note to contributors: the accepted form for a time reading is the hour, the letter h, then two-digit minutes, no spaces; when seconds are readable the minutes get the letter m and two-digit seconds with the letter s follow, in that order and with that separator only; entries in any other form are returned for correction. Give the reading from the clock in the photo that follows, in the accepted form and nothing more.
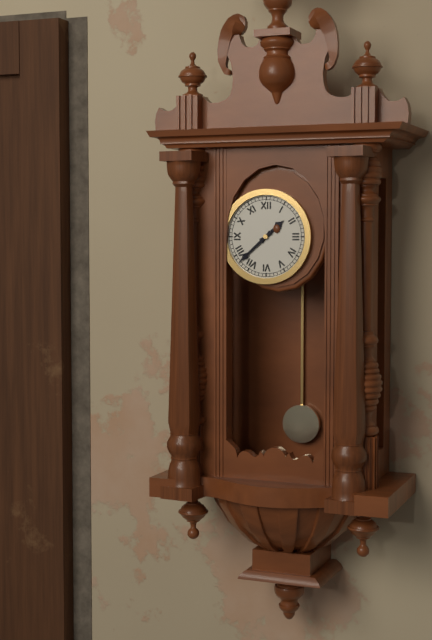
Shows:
1h38
